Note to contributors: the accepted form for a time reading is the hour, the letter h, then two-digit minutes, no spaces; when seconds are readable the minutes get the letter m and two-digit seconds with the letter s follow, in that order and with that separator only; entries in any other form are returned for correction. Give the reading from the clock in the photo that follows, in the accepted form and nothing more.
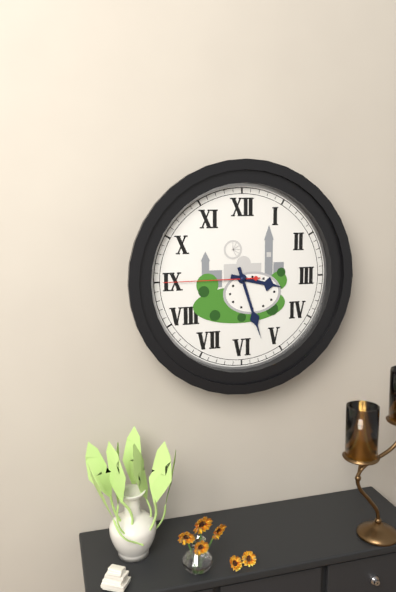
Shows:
3h27m45s
